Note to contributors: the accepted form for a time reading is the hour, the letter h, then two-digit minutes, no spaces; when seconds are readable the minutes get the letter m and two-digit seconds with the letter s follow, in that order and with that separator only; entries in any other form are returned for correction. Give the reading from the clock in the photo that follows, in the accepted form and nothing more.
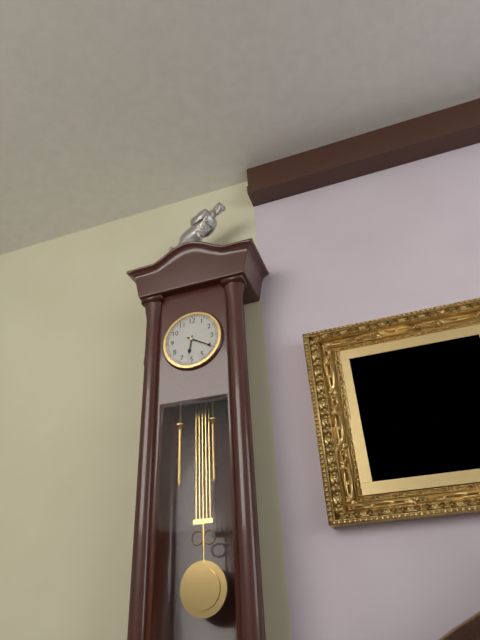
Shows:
6h20
